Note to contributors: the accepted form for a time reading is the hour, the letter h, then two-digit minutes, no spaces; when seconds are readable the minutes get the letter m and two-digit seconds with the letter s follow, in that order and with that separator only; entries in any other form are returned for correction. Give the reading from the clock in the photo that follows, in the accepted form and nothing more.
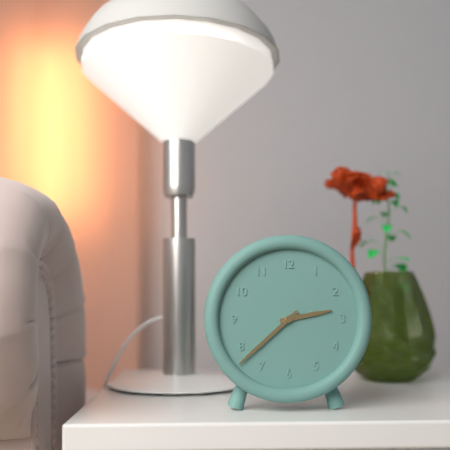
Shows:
2h38
